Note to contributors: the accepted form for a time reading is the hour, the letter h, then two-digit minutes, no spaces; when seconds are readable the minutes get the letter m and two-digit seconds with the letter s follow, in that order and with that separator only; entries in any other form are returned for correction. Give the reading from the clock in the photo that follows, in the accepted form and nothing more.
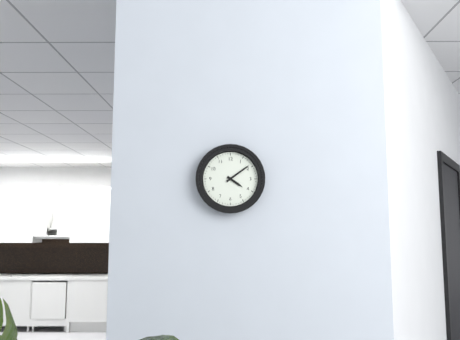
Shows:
4h09
